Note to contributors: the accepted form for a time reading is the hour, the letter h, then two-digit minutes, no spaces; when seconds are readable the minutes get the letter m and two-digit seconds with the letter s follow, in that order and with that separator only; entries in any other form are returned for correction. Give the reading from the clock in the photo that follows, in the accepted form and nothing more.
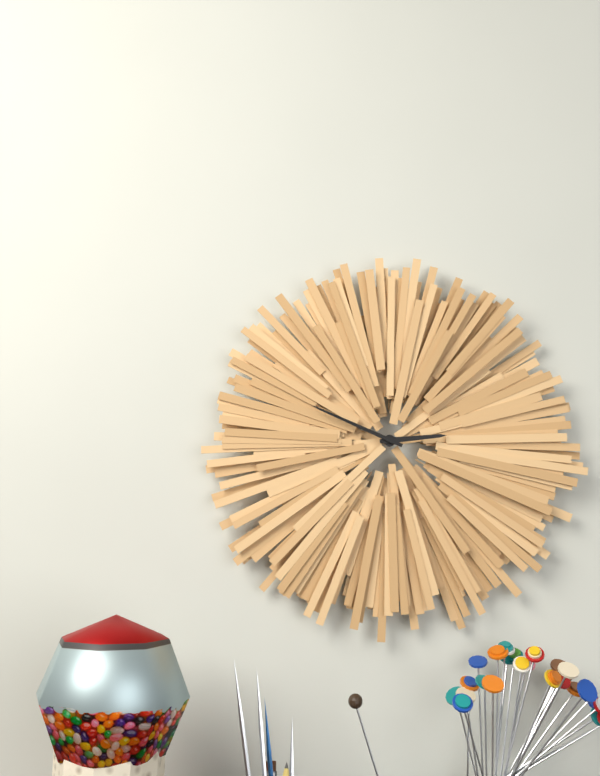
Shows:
2h49
